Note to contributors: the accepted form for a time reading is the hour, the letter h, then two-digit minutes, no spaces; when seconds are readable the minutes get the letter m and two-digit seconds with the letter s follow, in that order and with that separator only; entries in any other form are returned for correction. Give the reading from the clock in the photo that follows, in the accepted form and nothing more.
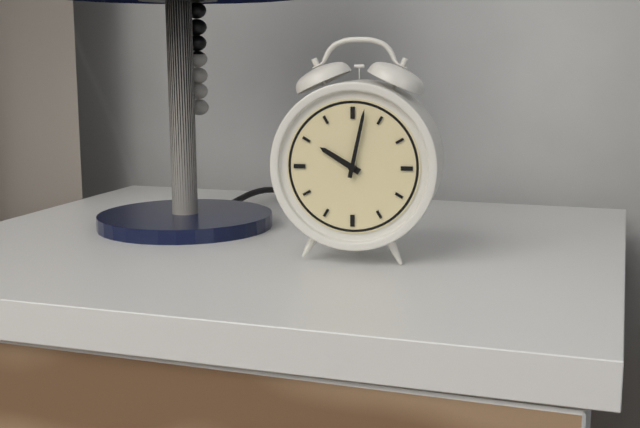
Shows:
10h02
